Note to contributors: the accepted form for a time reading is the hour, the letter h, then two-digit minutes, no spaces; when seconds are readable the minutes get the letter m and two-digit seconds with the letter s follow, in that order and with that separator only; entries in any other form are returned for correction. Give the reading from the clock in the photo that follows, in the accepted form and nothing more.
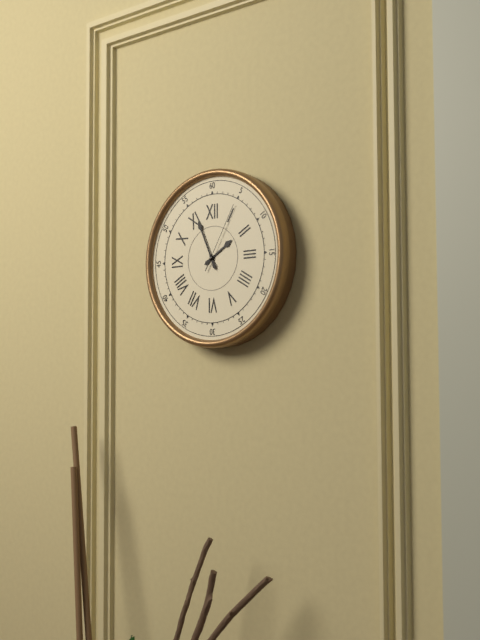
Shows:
1h56m05s
